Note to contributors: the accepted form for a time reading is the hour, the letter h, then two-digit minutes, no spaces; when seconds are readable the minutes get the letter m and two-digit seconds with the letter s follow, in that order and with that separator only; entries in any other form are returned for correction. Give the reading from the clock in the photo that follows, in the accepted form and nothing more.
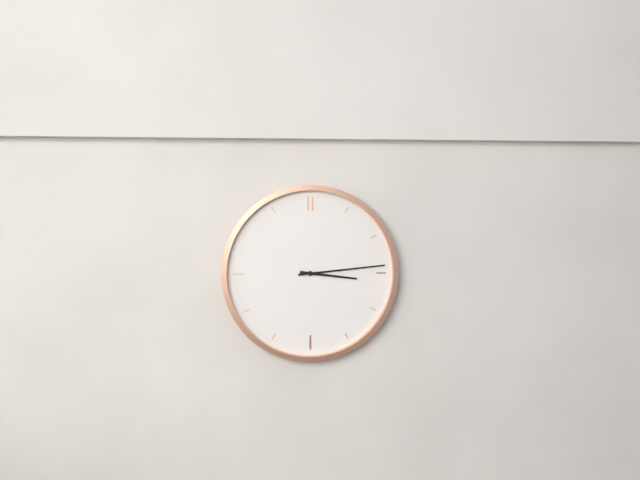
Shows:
3h14
